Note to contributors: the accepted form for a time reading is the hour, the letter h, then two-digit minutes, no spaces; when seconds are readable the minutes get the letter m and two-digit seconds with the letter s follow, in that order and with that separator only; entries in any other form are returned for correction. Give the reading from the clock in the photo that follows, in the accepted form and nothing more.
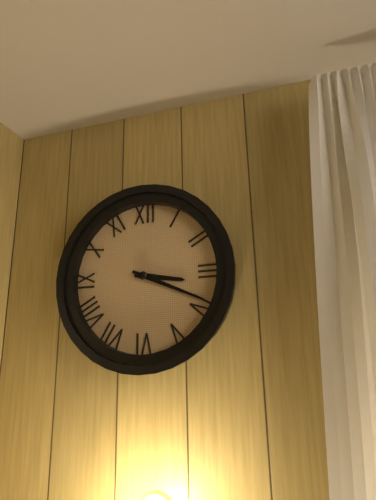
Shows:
3h19
